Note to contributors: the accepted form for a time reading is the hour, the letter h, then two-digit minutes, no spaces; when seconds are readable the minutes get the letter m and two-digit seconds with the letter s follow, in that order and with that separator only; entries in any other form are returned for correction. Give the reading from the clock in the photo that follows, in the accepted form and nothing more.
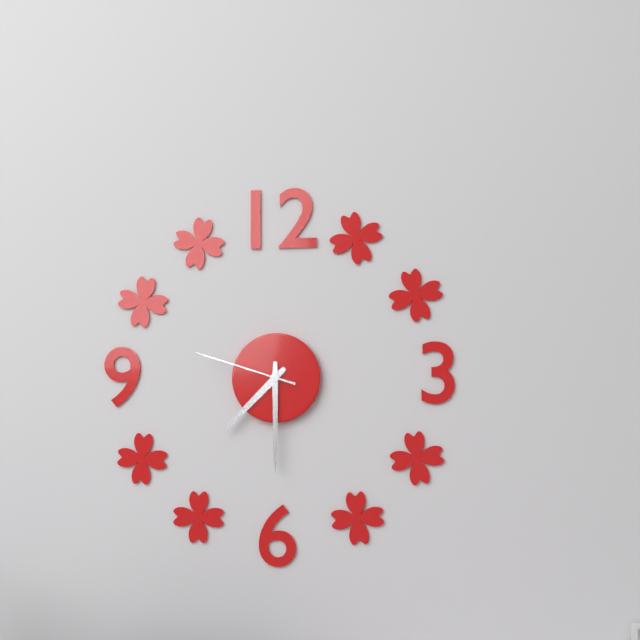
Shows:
7h30m48s
